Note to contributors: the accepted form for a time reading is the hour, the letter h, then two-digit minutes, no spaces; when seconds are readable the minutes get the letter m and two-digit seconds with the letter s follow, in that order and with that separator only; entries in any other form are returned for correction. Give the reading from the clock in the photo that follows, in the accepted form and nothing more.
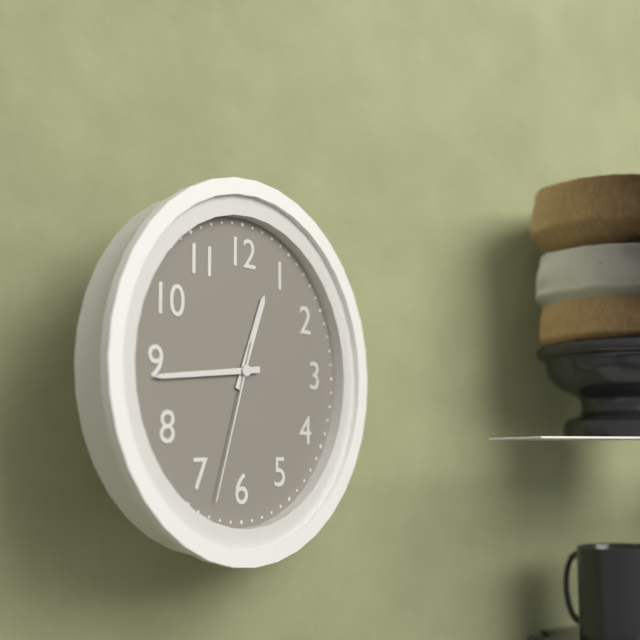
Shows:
12h44m33s
